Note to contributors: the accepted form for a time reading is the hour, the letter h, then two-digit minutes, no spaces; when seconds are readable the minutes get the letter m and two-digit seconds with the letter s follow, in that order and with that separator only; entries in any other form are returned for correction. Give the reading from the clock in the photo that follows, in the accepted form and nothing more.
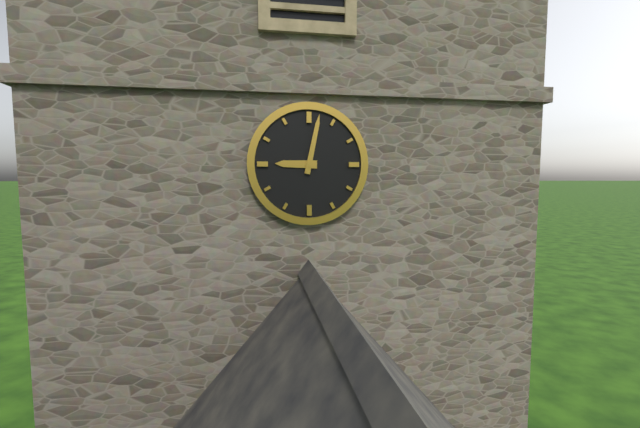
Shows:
9h02
